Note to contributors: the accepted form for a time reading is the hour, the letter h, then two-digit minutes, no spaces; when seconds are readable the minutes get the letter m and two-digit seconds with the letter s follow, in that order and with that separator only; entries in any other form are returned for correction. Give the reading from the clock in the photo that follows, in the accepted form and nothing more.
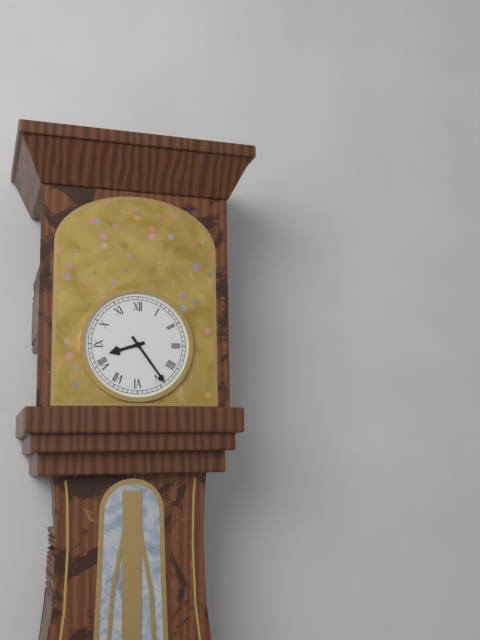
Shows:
8h24
